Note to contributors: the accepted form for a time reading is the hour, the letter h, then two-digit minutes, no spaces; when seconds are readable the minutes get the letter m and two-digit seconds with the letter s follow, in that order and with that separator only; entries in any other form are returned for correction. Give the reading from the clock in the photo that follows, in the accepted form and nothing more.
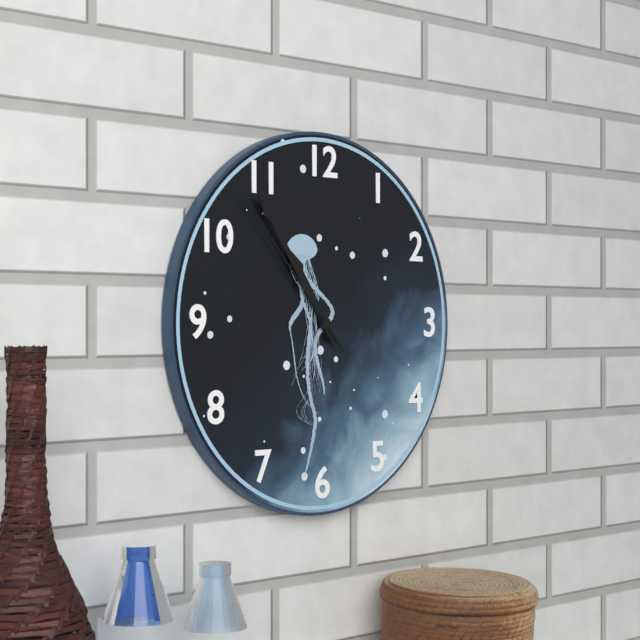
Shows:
10h54m53s
